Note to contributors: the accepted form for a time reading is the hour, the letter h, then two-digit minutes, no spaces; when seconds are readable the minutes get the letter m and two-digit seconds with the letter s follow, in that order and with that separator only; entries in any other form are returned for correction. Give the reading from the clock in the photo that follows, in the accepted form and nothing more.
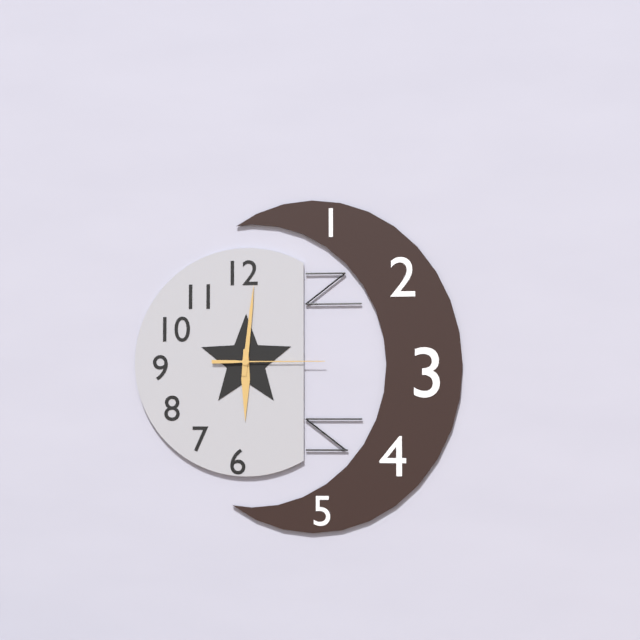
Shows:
6h01m15s
